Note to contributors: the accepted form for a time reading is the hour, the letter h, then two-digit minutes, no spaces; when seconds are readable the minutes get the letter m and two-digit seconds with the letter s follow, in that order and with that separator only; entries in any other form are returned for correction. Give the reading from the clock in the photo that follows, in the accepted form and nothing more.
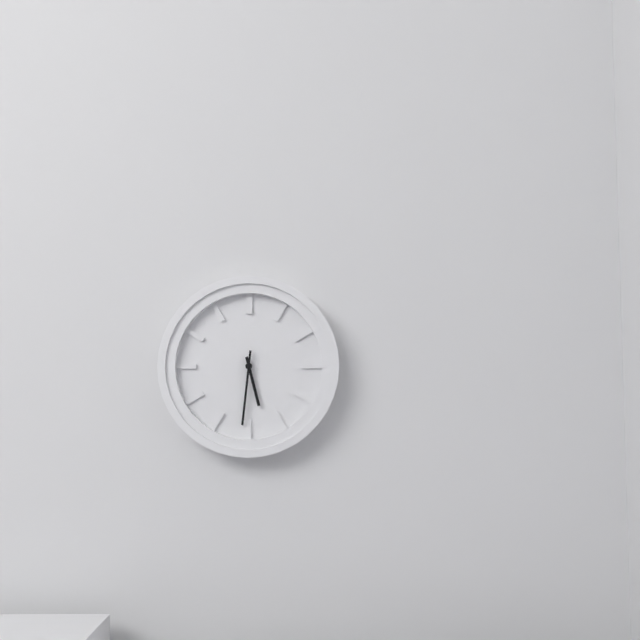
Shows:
5h31
